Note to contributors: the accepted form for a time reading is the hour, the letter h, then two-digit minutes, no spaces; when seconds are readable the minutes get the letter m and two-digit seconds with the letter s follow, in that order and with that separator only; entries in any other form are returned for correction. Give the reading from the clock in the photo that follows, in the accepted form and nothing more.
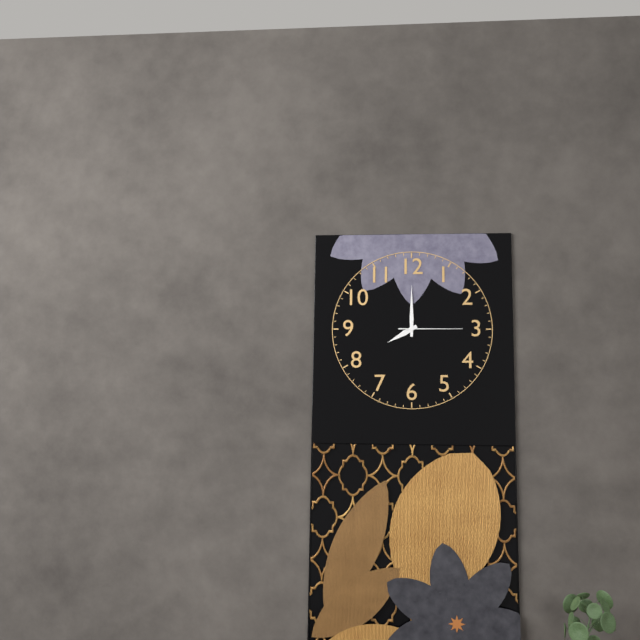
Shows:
8h00m15s
